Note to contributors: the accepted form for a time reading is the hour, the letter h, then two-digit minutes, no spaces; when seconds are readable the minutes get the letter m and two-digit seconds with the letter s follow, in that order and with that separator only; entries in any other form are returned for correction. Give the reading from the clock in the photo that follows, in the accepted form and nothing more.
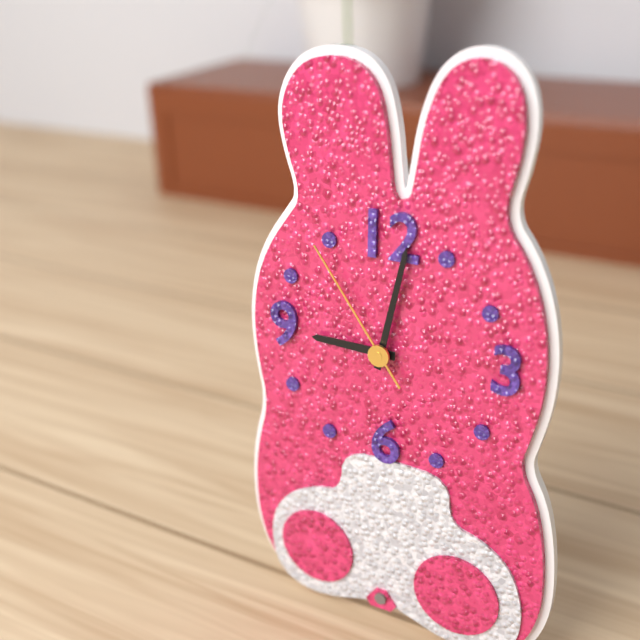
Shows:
9h02m54s
